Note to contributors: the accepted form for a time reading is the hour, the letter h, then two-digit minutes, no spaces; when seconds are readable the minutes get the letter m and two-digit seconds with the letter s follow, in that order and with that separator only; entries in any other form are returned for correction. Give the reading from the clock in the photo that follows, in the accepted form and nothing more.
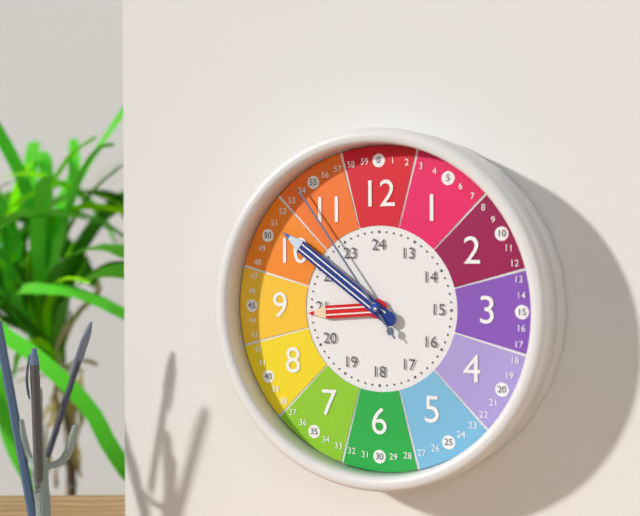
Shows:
8h51m54s
